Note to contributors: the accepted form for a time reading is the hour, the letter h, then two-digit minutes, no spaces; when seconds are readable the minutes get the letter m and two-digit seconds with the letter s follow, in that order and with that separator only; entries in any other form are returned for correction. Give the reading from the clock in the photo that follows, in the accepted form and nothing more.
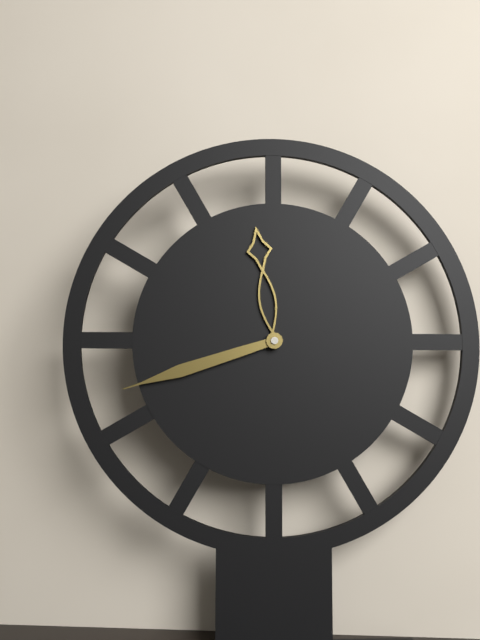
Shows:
11h42
